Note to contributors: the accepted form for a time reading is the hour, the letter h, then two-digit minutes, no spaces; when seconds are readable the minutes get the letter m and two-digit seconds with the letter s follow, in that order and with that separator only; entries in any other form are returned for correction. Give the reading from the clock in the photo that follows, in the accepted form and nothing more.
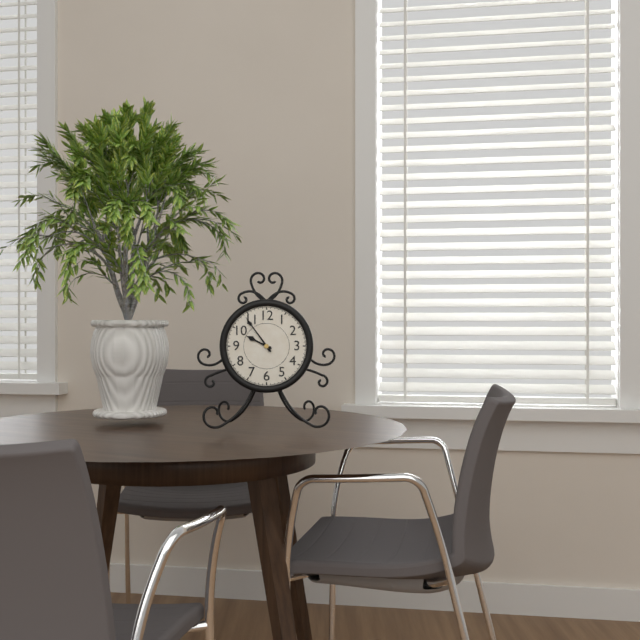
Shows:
9h54
